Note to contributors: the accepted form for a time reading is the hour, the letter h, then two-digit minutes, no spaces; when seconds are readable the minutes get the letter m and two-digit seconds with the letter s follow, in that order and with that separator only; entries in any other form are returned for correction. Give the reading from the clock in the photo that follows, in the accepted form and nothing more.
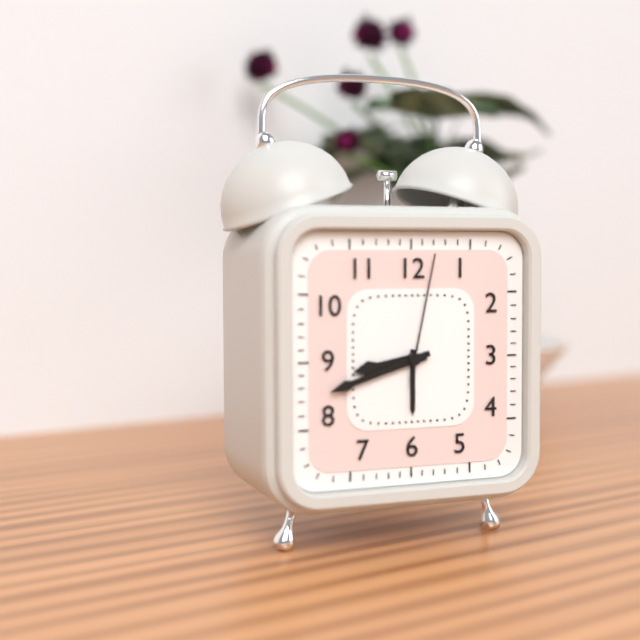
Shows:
8h42m02s
